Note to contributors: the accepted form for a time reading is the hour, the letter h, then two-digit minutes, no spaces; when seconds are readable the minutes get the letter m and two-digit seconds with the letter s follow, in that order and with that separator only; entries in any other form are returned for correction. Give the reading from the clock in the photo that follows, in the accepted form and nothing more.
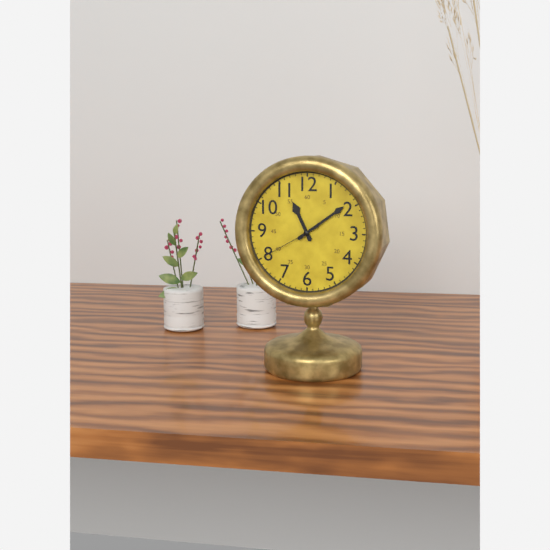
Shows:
11h09m40s
